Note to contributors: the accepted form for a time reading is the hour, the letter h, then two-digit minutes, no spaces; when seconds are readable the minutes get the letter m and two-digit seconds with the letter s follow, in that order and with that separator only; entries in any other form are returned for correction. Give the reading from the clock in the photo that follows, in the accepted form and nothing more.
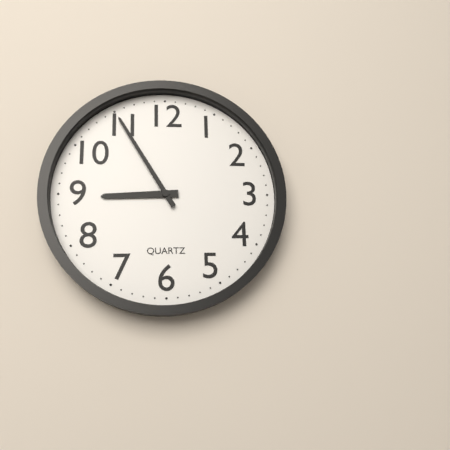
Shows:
8h55
